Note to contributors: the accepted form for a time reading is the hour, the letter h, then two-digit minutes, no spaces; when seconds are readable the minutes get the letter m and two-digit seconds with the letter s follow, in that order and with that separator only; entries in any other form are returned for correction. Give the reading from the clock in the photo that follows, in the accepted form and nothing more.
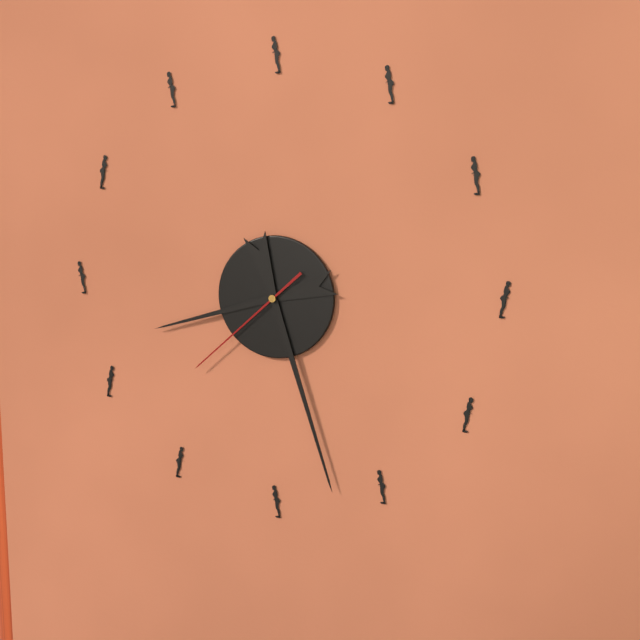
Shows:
8h27m38s
